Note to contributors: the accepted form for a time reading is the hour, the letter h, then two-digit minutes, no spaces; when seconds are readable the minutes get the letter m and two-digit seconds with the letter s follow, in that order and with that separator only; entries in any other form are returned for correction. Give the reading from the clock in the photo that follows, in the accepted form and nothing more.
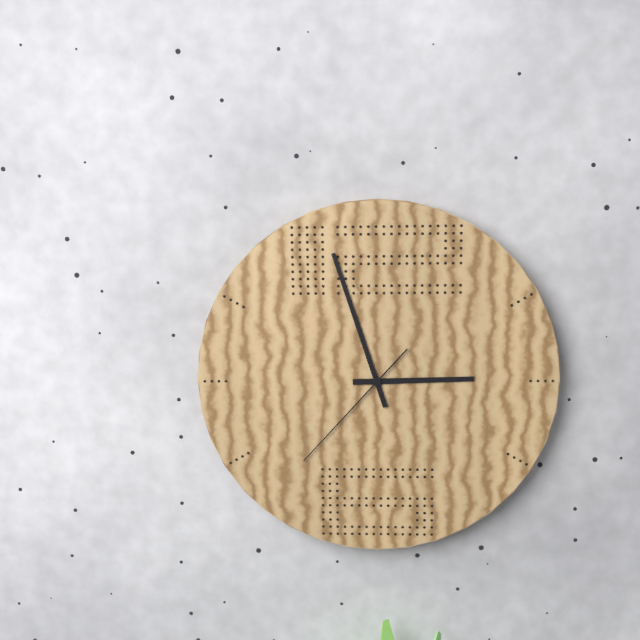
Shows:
2h57m37s
